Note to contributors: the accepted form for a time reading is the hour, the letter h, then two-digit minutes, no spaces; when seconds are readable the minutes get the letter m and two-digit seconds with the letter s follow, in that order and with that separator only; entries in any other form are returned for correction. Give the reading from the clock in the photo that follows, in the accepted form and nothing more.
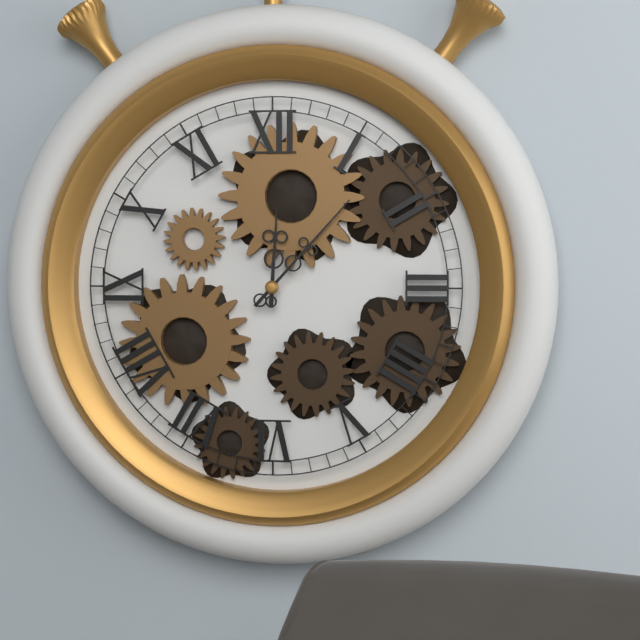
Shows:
12h07
